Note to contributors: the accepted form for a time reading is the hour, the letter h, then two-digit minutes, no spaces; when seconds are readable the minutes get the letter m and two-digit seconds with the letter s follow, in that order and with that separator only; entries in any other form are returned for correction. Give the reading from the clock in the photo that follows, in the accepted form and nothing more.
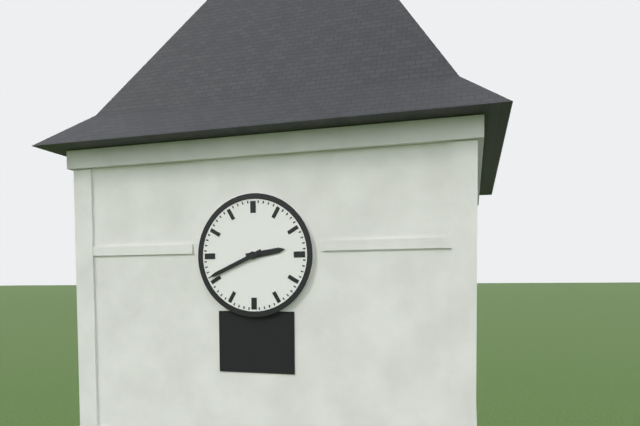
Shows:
2h41
